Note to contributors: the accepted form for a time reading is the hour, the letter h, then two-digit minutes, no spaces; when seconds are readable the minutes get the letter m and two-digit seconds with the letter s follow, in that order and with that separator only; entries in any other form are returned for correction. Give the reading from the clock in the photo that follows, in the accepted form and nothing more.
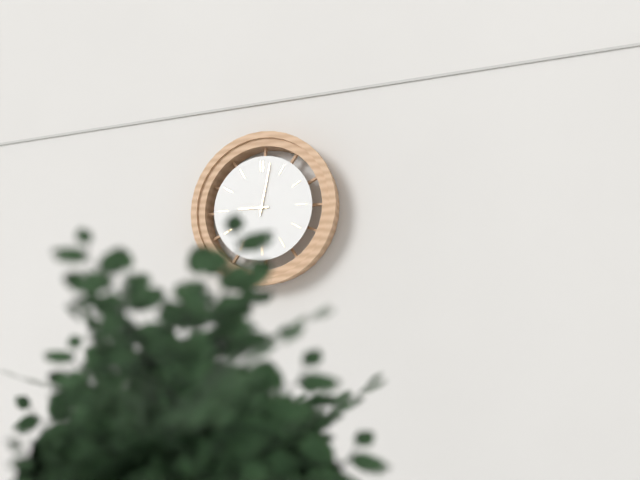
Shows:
9h02
